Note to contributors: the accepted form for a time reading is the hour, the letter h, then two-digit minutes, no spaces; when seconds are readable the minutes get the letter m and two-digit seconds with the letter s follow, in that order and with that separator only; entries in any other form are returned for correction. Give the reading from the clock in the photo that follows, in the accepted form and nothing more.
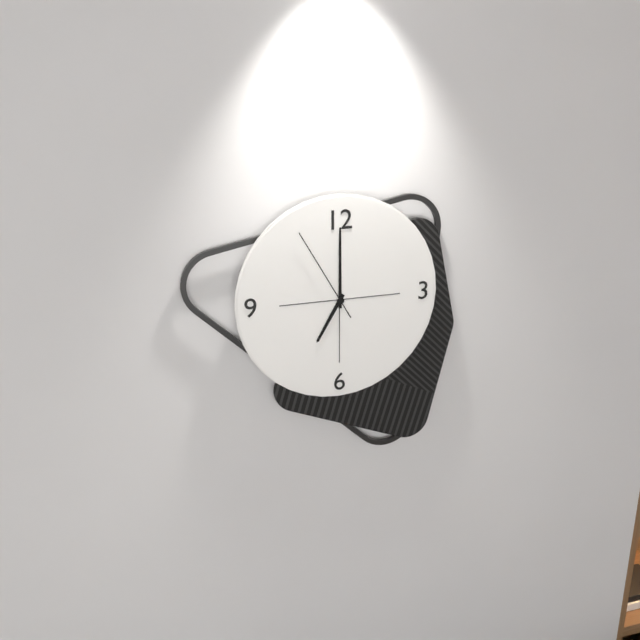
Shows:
7h00m55s
